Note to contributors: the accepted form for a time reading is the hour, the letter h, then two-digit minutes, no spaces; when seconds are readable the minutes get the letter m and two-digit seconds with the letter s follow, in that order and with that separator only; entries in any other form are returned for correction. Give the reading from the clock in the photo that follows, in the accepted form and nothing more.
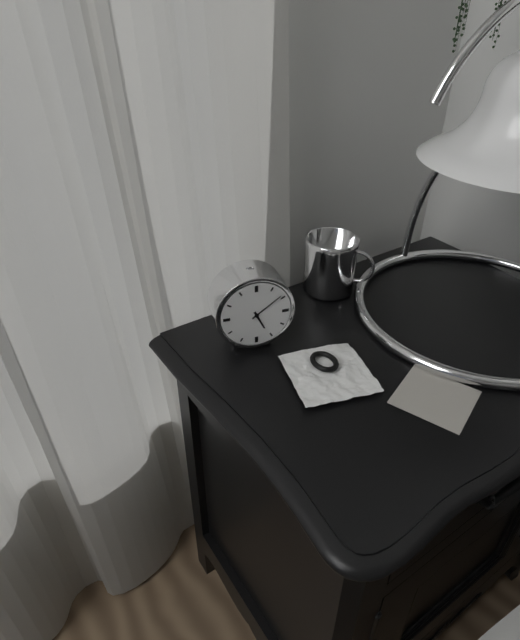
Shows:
5h09
